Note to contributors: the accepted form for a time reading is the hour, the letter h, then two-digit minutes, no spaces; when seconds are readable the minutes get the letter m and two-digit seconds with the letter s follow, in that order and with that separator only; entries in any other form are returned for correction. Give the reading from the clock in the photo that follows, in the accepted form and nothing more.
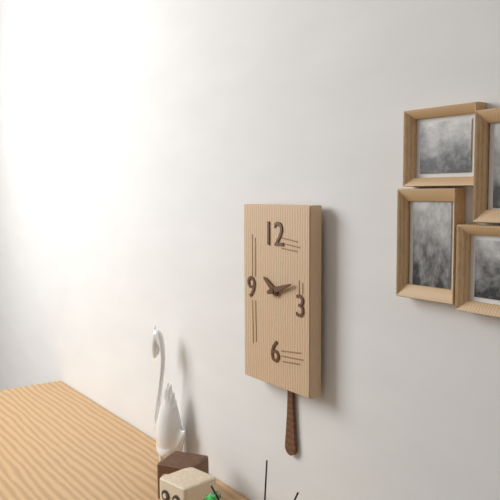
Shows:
10h12
